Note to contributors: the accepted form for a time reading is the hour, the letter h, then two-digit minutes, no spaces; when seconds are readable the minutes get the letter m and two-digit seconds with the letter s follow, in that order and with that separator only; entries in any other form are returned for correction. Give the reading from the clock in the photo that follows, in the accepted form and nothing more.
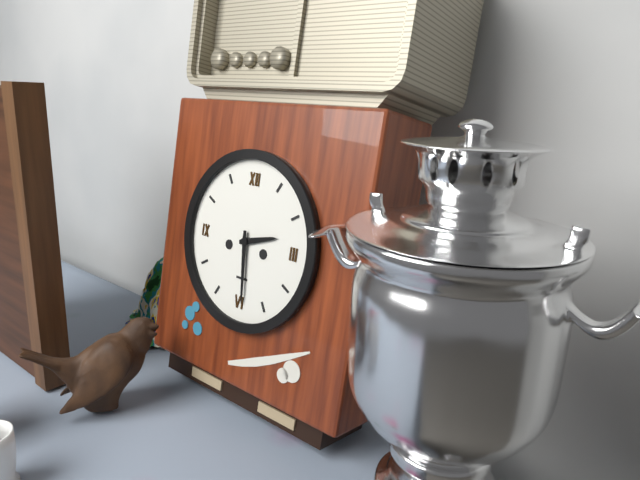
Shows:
2h29
